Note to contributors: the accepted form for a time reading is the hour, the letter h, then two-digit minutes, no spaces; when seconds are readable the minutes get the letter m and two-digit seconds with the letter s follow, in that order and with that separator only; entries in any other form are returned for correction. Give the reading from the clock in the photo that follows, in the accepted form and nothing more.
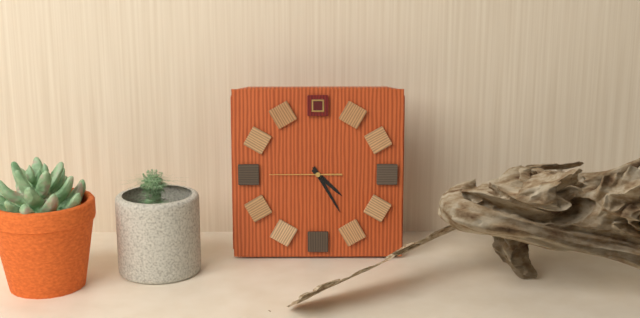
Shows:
4h25m45s
